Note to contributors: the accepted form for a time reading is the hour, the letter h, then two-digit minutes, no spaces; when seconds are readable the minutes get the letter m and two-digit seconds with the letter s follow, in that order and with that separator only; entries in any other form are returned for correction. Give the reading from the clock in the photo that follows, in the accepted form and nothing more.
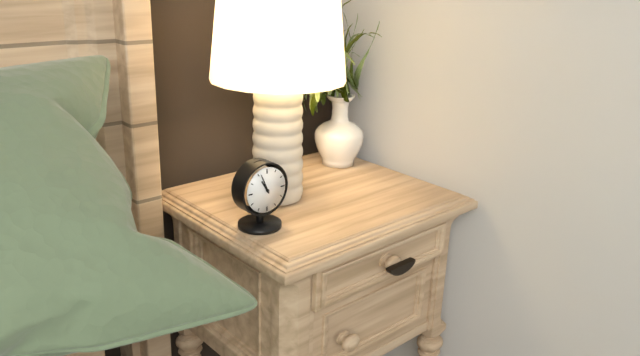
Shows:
10h56
